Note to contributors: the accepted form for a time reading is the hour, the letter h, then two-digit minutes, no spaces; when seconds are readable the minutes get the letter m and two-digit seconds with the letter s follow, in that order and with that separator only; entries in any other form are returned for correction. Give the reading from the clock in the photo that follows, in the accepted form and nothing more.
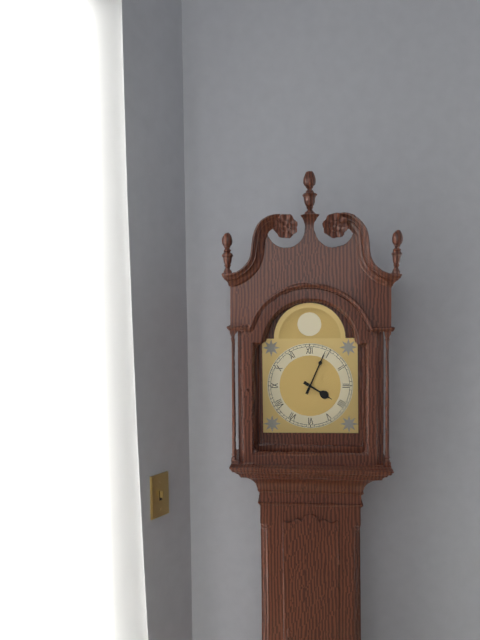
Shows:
4h04
